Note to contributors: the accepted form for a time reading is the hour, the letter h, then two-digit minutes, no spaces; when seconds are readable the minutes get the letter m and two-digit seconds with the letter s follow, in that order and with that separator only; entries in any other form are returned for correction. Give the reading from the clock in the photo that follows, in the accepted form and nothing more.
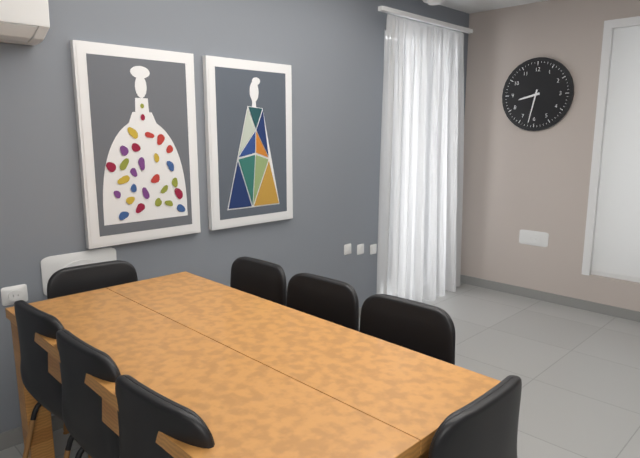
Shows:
8h32
